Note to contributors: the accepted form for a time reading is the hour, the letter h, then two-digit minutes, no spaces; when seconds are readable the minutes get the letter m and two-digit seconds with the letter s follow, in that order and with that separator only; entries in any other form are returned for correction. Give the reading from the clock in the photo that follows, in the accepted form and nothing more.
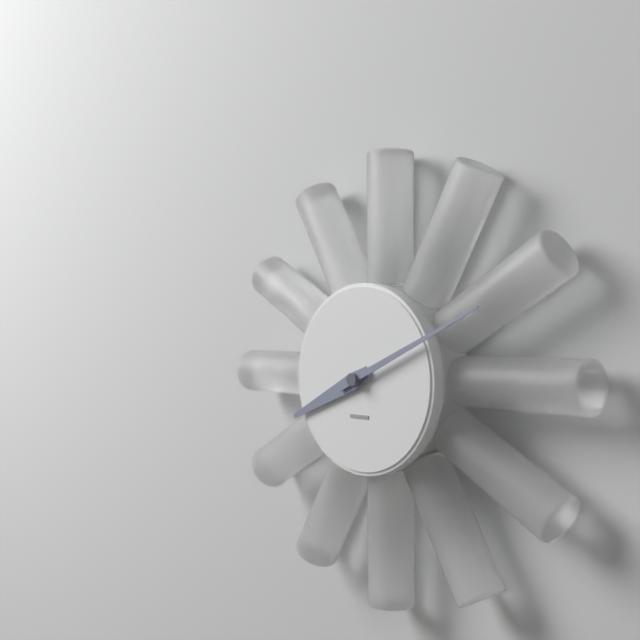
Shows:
8h11
